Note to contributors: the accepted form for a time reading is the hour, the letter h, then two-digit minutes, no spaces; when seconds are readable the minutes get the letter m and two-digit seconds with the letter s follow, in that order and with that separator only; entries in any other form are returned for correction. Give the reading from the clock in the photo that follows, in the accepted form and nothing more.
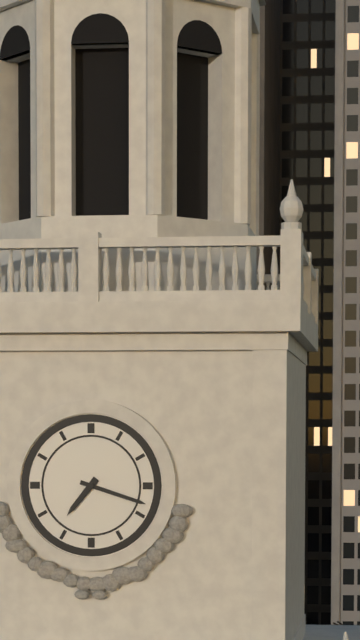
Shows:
7h18
